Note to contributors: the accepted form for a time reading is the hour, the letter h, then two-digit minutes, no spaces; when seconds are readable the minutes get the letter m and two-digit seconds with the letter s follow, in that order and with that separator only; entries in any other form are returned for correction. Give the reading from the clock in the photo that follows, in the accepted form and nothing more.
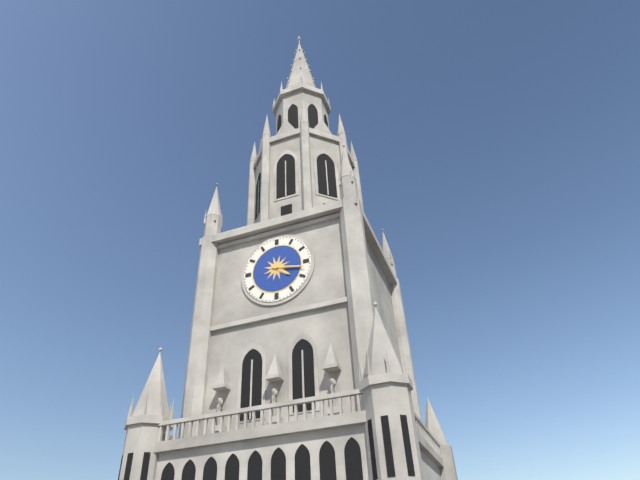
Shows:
4h17
